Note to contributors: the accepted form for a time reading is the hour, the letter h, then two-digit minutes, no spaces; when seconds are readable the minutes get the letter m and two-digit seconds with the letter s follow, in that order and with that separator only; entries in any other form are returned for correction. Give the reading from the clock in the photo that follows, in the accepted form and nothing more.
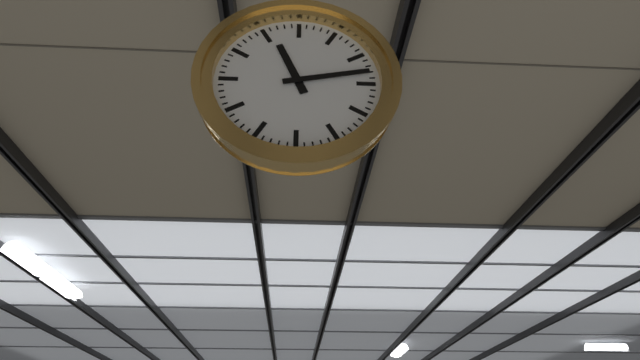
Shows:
11h13
